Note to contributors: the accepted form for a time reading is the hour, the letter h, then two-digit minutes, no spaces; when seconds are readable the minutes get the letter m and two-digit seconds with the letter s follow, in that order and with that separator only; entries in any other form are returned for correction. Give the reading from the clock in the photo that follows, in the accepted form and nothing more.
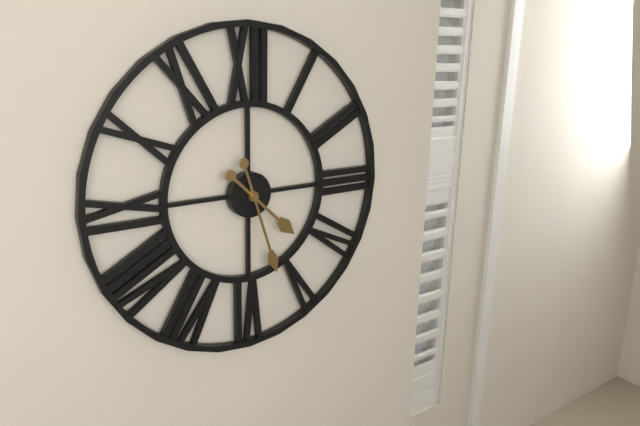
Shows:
4h27
